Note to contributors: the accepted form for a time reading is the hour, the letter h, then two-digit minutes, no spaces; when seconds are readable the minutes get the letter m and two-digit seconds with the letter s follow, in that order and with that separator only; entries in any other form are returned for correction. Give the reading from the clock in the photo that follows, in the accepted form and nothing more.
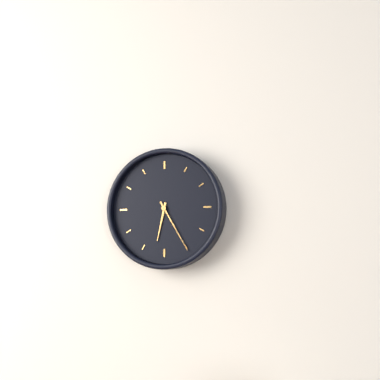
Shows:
6h25
